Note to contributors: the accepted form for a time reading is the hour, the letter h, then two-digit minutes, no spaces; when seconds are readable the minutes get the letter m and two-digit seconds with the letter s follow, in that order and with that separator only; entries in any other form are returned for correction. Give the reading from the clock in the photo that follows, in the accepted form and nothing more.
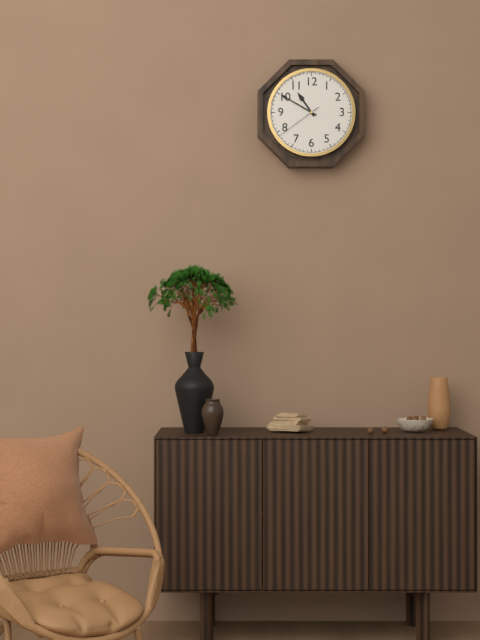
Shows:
10h50
